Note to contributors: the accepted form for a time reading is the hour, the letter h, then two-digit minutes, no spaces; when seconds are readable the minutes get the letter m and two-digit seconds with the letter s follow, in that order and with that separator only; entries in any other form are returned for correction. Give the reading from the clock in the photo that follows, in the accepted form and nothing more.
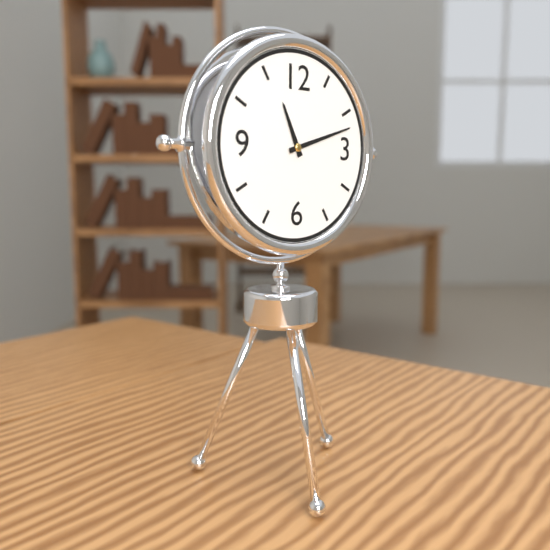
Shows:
11h12
